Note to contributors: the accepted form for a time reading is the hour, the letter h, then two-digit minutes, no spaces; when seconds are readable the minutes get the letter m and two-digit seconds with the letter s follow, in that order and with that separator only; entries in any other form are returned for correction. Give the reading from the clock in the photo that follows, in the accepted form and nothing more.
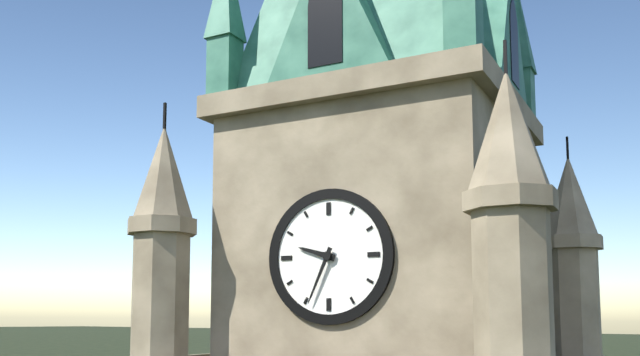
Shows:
9h34
